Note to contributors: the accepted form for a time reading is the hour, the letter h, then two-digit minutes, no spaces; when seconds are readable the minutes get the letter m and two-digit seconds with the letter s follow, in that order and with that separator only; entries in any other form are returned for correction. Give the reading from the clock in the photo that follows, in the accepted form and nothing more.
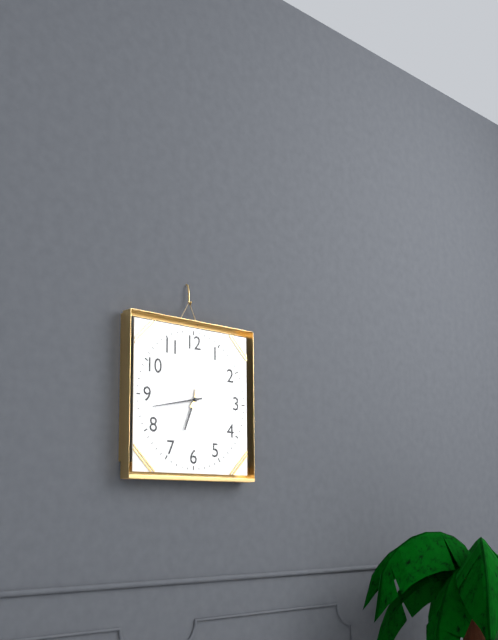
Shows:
6h43
